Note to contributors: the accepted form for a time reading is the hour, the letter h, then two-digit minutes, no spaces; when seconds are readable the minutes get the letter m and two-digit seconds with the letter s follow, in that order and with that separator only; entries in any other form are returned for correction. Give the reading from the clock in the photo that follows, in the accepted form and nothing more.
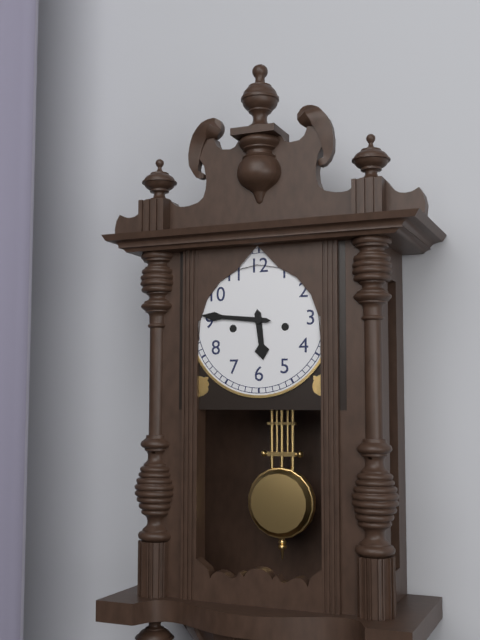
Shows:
5h46
